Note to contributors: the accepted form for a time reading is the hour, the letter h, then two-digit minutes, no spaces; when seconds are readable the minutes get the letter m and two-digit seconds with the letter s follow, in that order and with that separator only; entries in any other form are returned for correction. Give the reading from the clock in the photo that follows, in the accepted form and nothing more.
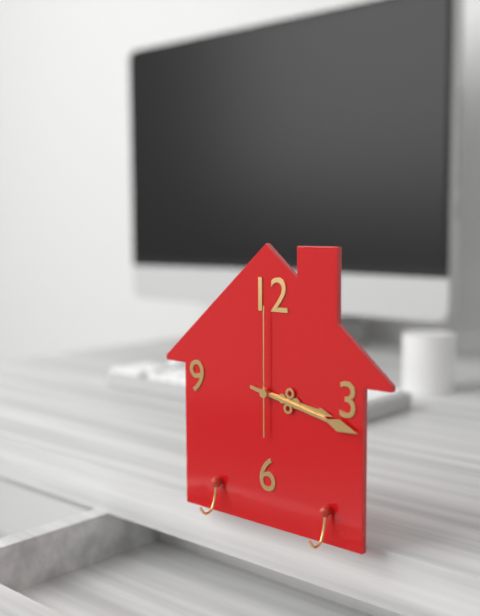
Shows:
3h17m00s
